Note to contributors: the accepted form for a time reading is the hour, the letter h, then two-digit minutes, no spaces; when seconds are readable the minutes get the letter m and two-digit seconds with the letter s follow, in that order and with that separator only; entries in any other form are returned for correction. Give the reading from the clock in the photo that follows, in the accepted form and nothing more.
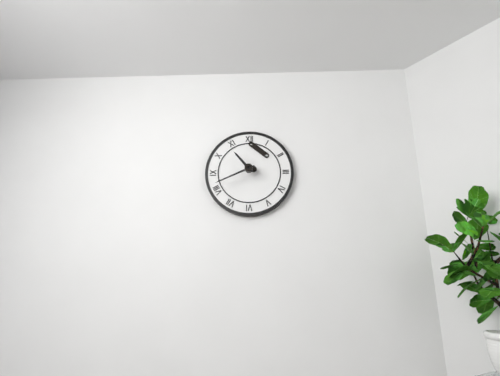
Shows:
10h41
